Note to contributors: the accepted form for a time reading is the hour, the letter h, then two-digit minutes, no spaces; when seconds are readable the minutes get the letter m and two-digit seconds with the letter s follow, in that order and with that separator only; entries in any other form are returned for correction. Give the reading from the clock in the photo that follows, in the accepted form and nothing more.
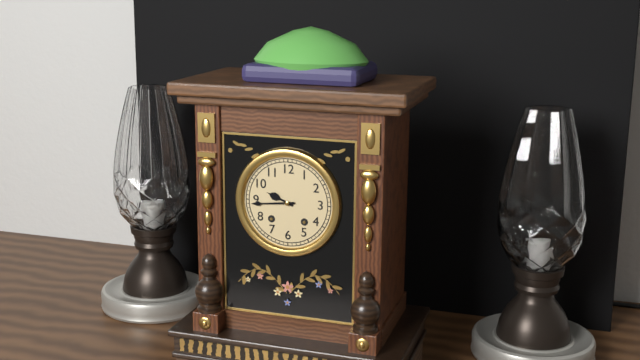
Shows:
9h44
